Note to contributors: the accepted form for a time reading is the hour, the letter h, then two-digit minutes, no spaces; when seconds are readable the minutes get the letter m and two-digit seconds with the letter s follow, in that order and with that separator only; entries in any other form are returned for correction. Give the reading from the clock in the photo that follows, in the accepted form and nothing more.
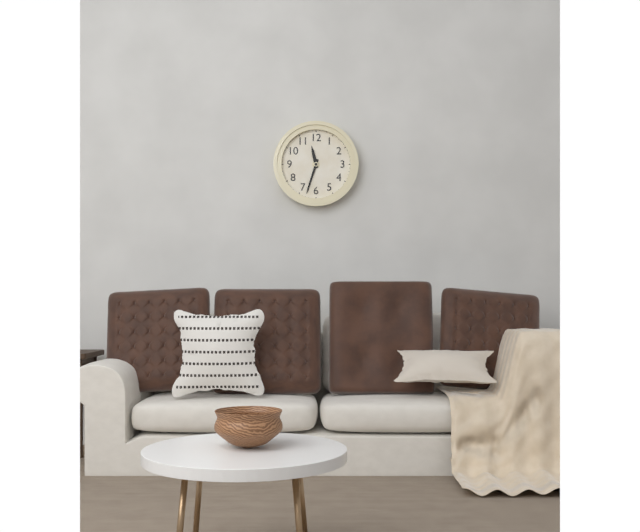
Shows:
11h33
